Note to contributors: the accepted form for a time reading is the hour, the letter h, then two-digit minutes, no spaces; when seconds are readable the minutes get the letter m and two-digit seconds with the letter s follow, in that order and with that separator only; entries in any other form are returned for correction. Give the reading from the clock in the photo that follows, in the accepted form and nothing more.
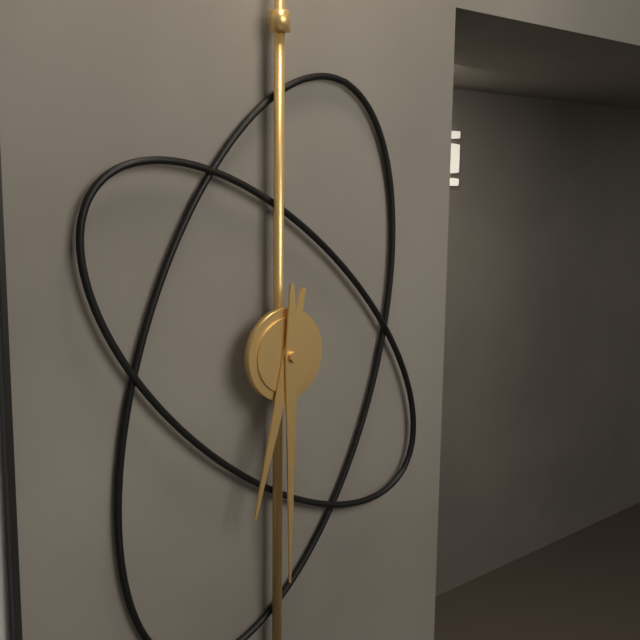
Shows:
6h30
